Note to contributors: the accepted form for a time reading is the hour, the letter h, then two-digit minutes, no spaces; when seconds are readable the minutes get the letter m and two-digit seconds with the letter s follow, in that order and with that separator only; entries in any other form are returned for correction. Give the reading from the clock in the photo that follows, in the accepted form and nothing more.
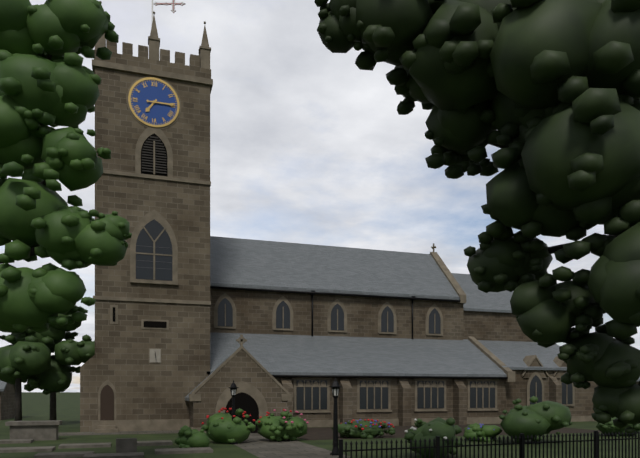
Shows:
7h15
